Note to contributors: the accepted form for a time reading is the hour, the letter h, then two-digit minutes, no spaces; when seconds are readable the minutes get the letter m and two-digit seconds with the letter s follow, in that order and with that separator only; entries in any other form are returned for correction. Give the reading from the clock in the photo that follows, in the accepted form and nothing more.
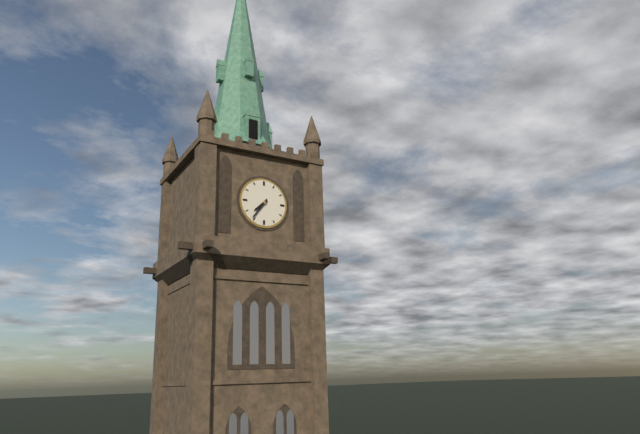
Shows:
7h36
